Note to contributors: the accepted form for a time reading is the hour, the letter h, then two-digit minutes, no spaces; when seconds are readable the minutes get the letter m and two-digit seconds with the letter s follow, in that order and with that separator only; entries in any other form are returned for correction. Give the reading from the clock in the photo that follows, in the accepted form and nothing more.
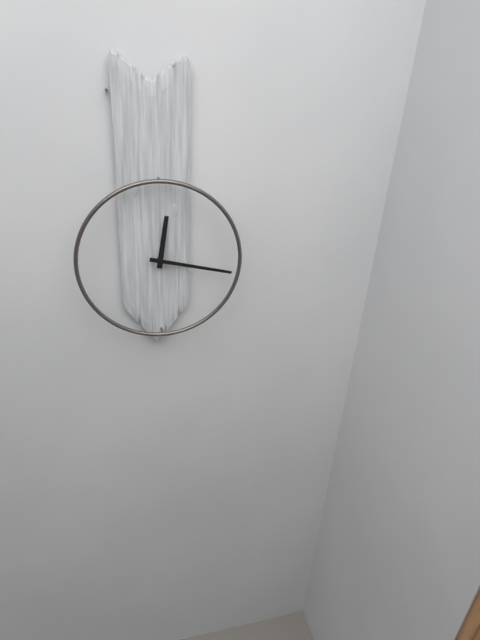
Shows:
12h17
